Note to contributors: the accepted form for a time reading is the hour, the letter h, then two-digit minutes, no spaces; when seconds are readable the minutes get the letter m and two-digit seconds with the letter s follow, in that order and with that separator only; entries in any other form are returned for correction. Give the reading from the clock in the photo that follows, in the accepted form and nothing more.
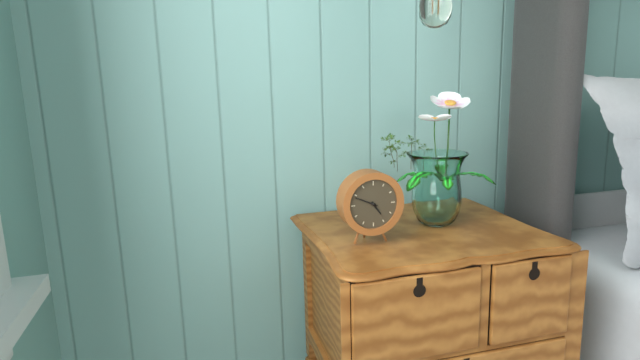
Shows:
4h49
